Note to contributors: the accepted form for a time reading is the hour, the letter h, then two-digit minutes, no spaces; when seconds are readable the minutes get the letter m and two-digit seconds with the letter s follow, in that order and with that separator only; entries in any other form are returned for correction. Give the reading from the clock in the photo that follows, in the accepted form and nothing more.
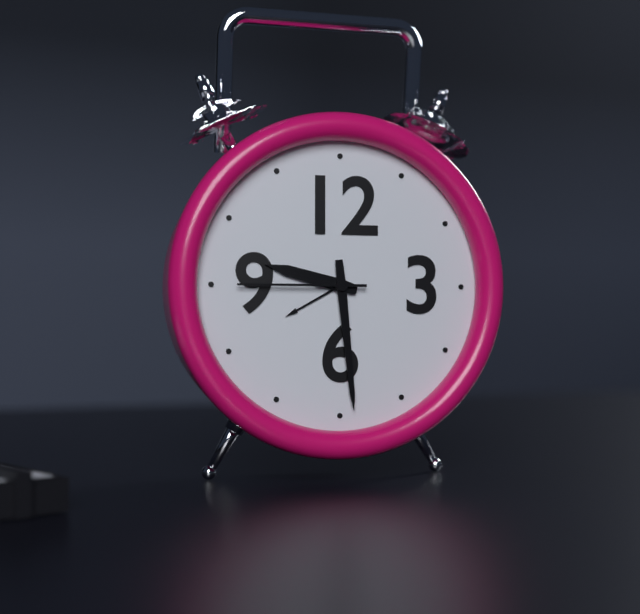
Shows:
9h29m45s
